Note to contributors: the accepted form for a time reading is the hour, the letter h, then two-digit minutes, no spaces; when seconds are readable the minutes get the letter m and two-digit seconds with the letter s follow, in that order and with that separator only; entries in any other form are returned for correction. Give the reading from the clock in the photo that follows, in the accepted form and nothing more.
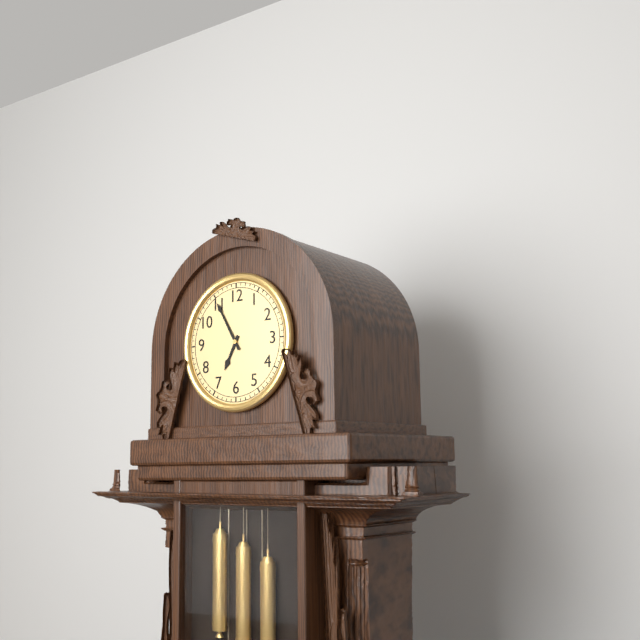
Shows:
6h55
